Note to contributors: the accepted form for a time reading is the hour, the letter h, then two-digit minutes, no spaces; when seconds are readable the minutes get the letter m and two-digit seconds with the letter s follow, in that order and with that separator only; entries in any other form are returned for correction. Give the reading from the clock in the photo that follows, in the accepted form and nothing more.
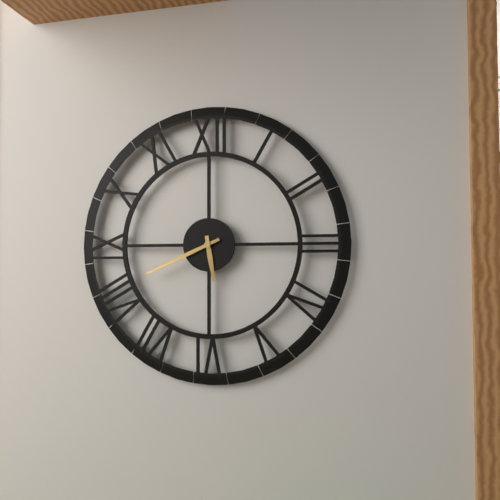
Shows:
5h41
